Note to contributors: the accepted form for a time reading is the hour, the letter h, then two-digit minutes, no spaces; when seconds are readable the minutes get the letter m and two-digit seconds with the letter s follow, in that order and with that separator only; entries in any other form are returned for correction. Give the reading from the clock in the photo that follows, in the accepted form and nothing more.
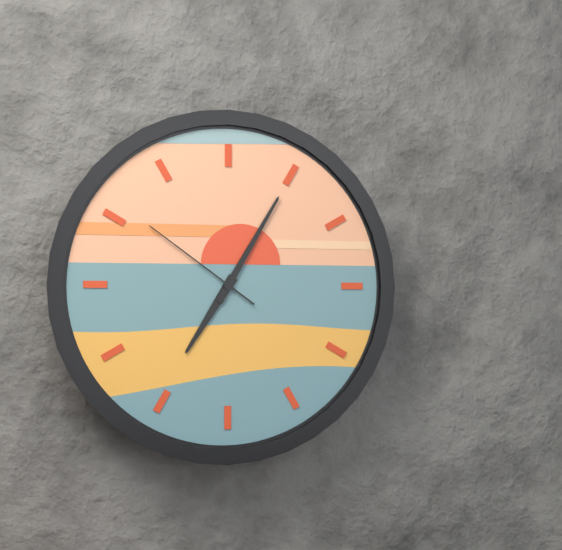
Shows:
7h05m51s
